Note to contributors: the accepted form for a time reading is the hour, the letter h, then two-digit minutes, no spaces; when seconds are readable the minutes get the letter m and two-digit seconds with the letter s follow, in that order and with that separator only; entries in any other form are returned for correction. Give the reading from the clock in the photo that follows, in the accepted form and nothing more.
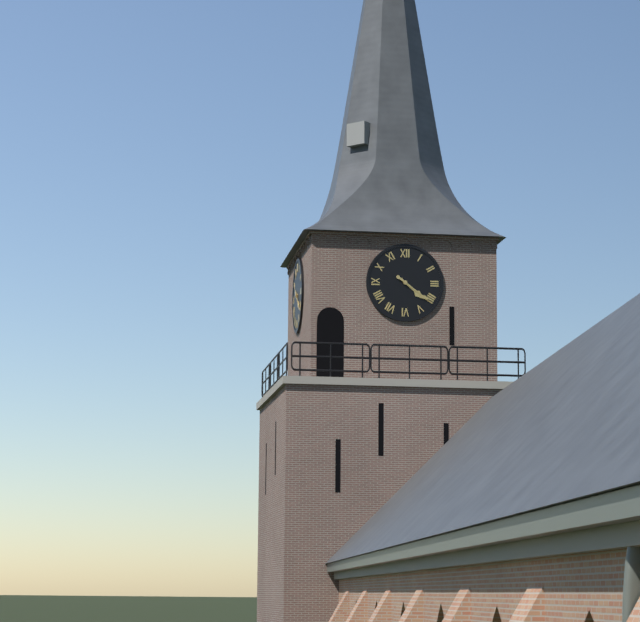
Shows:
4h21
